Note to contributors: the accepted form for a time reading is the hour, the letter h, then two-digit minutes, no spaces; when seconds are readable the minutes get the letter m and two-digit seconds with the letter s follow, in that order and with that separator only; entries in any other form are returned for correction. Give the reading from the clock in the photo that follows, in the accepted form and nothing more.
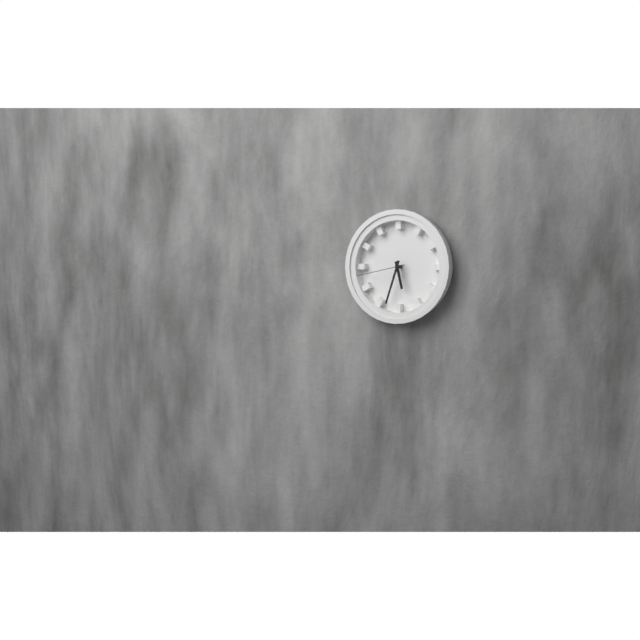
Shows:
5h33m43s
